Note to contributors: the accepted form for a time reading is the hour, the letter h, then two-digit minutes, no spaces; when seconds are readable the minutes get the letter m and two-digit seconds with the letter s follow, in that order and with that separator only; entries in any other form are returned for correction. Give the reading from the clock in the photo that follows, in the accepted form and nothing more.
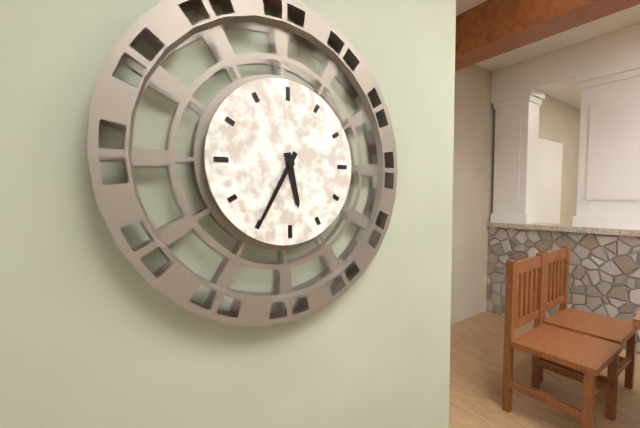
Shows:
5h35
